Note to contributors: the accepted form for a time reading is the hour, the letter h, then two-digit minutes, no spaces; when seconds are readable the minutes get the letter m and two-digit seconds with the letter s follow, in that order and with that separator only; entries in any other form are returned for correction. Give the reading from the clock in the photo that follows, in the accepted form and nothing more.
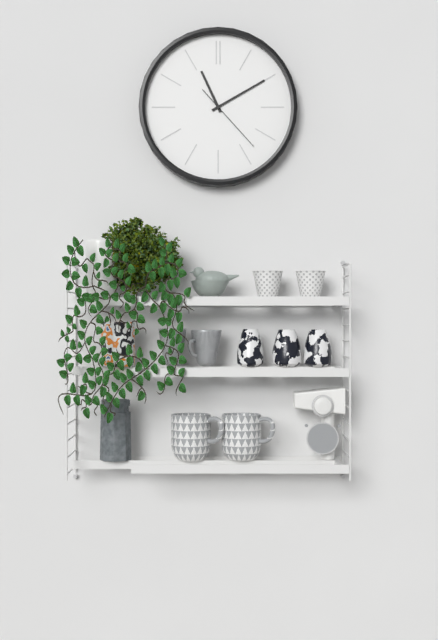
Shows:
11h10m23s
